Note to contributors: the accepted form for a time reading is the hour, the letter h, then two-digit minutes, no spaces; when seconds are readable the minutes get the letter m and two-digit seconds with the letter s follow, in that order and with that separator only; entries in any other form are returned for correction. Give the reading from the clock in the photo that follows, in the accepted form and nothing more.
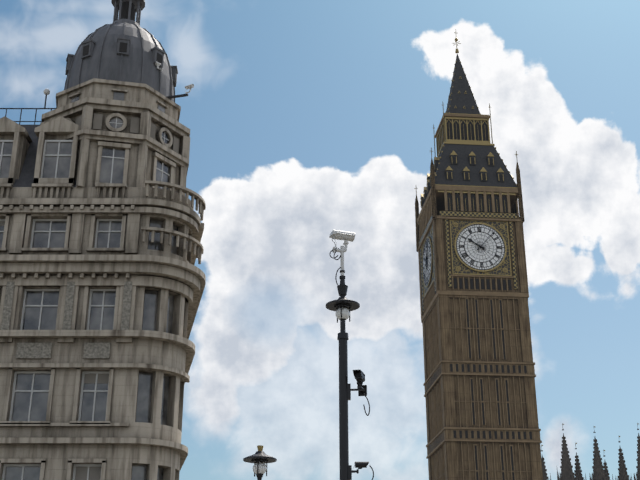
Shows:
10h07
